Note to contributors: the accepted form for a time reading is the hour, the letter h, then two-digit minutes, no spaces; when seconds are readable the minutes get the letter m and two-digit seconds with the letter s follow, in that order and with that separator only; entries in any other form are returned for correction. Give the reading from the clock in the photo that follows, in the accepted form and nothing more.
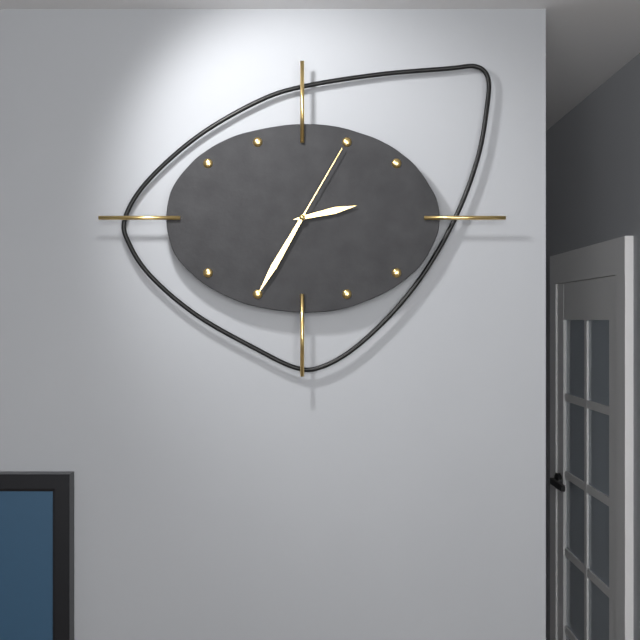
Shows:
2h35m05s
